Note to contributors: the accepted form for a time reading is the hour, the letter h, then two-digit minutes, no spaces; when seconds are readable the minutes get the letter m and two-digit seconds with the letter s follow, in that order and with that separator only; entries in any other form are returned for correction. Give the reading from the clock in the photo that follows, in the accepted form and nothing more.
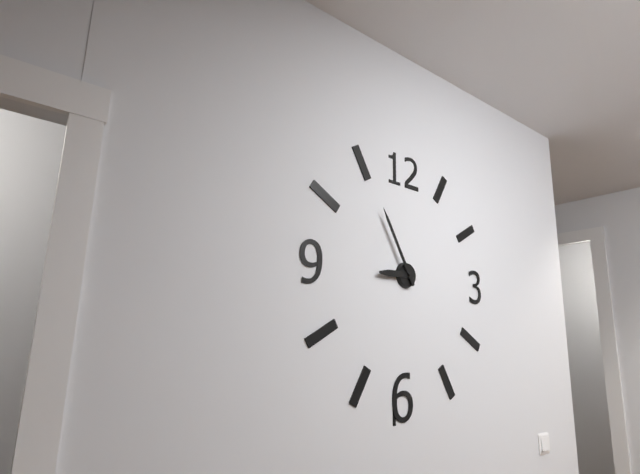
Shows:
8h55
